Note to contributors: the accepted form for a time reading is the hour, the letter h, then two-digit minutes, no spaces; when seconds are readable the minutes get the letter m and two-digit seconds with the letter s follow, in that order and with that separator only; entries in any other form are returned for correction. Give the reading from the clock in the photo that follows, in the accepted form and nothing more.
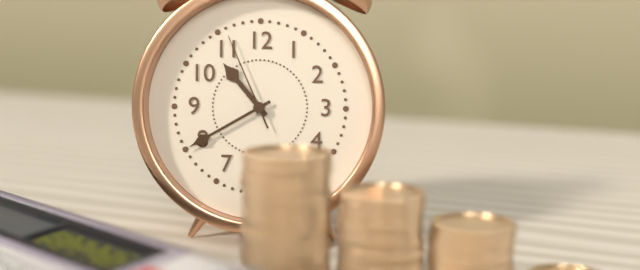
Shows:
10h40m56s
